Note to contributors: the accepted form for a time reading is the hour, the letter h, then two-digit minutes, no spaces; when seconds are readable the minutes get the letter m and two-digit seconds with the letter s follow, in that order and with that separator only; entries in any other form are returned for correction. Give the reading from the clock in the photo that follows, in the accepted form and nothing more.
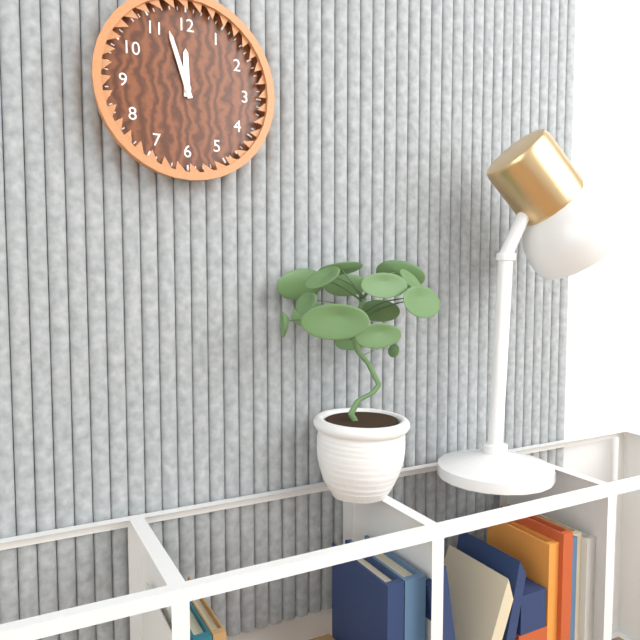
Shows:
11h57
